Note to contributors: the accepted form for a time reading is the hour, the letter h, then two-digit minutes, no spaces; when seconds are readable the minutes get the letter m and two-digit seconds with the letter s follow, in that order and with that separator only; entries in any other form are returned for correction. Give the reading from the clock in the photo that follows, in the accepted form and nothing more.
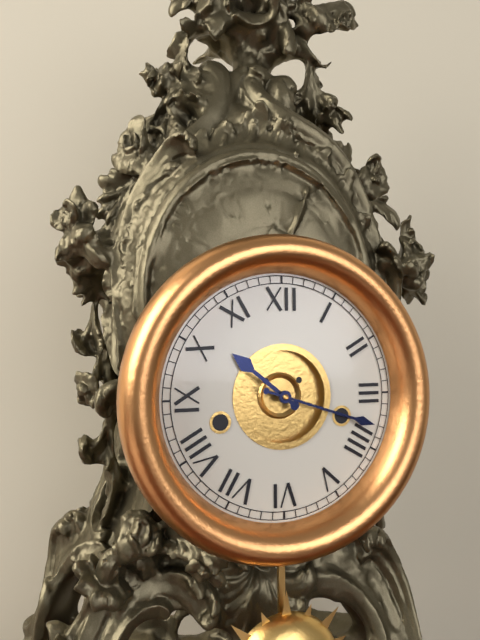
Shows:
10h18
